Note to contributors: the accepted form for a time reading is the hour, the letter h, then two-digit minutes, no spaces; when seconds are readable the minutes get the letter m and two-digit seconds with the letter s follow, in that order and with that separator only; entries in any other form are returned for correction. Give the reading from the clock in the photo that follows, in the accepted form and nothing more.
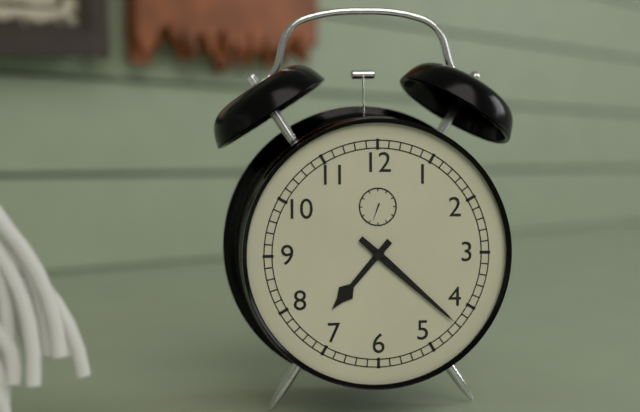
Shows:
7h22
